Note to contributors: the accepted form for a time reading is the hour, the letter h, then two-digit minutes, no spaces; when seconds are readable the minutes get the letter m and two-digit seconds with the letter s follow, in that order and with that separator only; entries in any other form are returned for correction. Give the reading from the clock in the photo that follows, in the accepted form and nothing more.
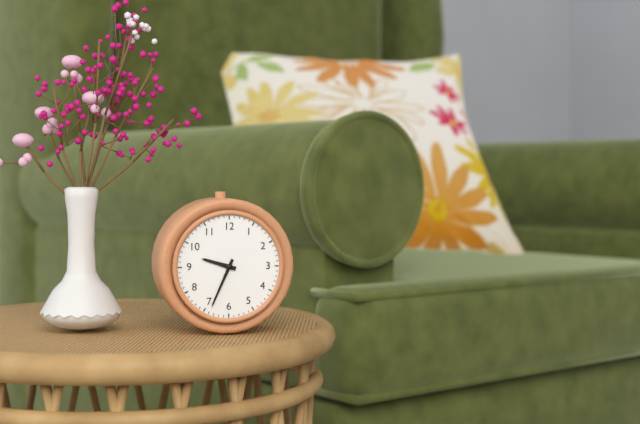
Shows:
9h34
